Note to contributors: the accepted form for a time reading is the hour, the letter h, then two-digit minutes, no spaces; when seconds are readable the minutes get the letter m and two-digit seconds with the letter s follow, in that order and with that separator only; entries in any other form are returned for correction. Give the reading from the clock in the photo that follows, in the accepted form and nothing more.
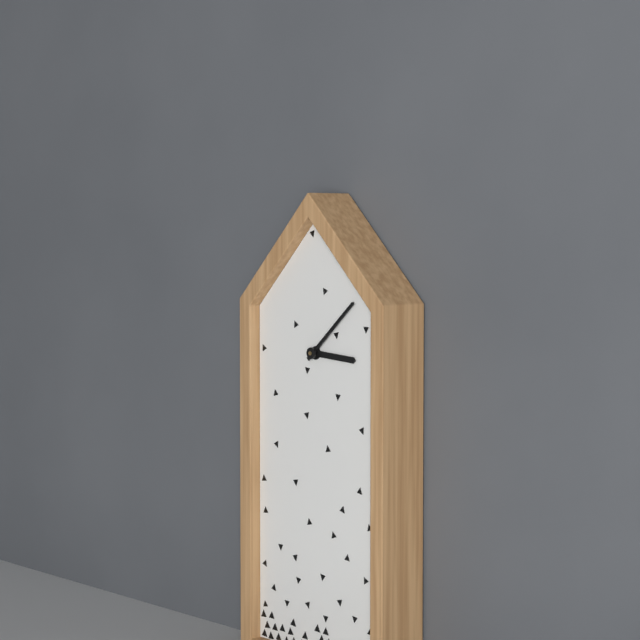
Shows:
3h08
